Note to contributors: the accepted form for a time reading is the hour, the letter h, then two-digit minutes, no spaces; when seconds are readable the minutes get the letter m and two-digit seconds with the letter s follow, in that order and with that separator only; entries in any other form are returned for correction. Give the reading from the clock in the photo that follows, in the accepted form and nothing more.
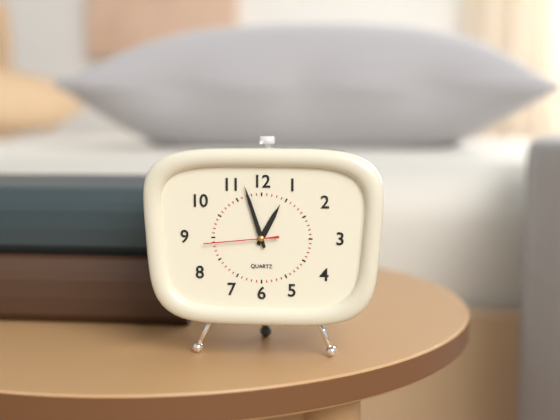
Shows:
12h57m44s
